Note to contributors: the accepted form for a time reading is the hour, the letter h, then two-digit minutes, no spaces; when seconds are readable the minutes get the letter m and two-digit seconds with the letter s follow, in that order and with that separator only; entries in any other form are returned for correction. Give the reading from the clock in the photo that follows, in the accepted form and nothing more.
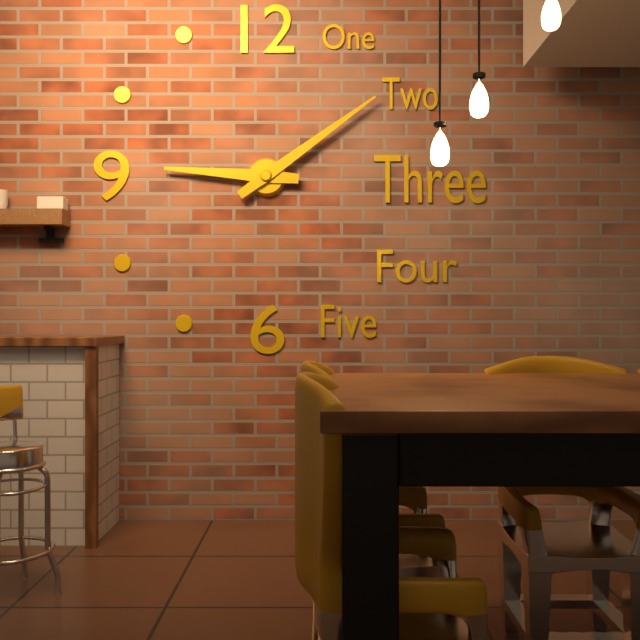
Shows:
9h09
